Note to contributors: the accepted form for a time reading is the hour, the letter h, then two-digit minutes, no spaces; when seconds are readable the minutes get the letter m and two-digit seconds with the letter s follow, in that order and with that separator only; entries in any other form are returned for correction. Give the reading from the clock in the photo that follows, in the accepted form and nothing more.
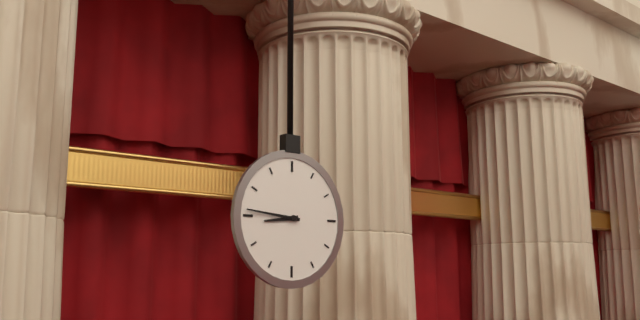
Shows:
8h46
